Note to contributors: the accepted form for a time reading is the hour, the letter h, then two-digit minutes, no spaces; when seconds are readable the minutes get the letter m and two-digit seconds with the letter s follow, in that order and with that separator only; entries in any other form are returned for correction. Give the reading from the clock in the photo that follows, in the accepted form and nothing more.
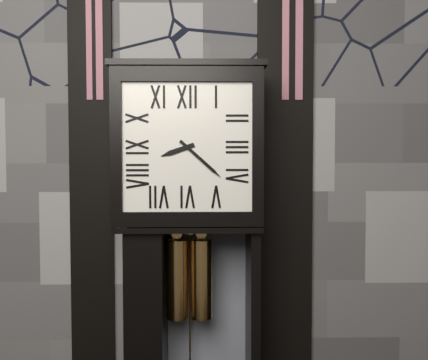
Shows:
8h22
